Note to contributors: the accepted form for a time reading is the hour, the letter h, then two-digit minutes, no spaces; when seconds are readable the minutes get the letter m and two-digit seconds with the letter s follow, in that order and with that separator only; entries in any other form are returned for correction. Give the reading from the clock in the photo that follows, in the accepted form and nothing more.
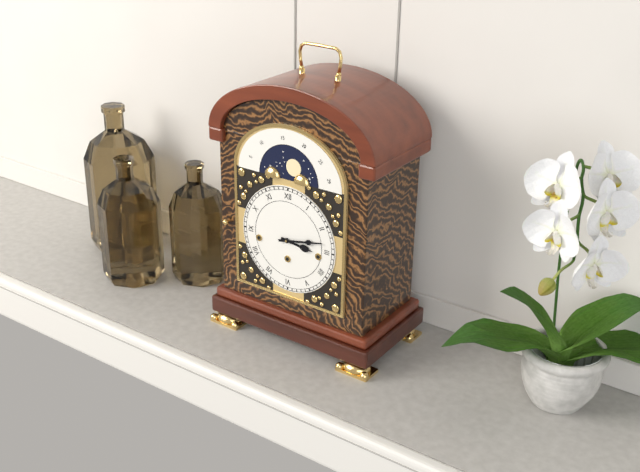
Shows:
3h13
